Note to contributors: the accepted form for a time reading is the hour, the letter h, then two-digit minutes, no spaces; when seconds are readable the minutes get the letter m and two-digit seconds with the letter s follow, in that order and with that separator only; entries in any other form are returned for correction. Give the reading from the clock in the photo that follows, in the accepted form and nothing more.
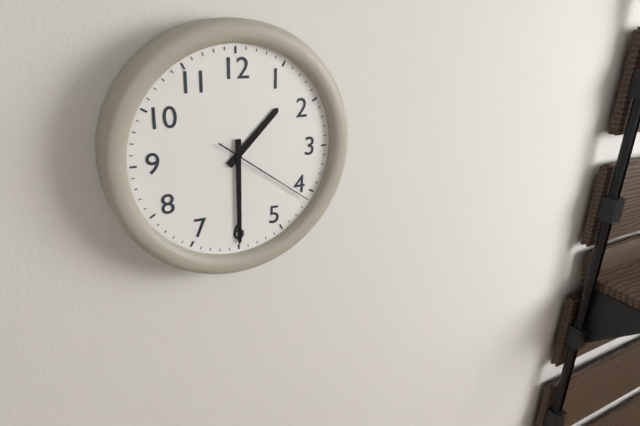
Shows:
1h30m21s
